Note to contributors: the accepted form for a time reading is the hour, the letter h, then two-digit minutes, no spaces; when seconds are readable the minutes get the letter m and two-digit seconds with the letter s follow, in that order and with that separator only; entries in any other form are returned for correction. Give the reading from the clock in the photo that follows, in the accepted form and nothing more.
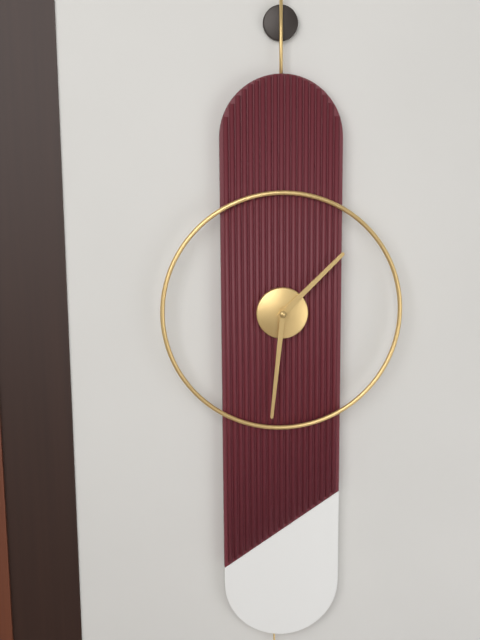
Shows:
1h31
